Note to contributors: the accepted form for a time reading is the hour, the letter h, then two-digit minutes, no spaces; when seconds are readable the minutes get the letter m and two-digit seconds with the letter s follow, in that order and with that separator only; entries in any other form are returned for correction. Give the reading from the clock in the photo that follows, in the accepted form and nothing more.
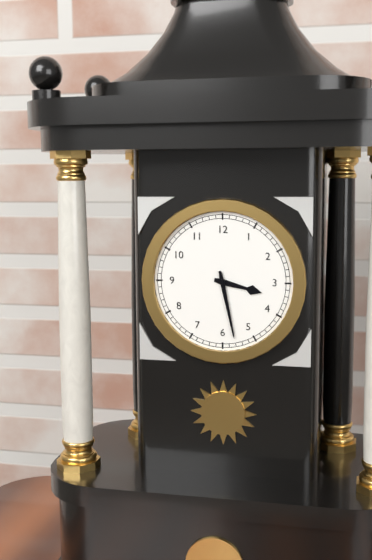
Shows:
3h28
